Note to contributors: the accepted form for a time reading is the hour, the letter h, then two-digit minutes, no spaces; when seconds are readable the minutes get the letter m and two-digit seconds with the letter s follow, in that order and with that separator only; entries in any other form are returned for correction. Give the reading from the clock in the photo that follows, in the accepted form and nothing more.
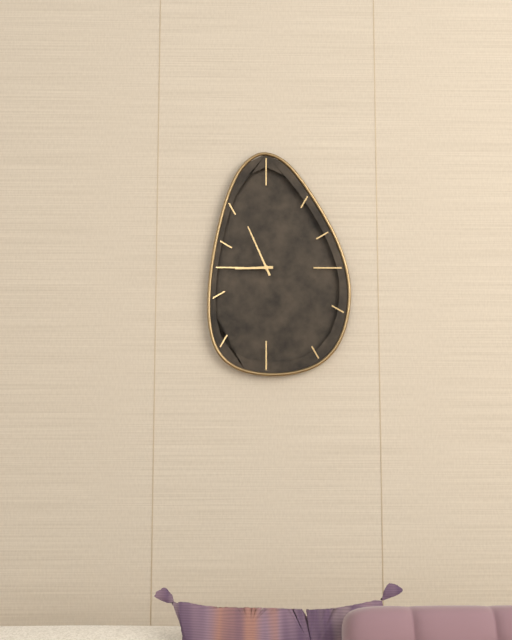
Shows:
8h56
